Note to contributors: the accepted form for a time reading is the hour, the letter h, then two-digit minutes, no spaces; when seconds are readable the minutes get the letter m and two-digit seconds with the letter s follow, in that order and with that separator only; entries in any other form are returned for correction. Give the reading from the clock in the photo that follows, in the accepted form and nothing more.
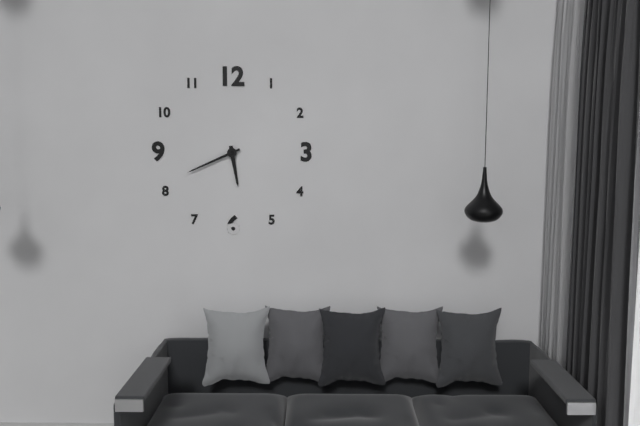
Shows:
5h41
